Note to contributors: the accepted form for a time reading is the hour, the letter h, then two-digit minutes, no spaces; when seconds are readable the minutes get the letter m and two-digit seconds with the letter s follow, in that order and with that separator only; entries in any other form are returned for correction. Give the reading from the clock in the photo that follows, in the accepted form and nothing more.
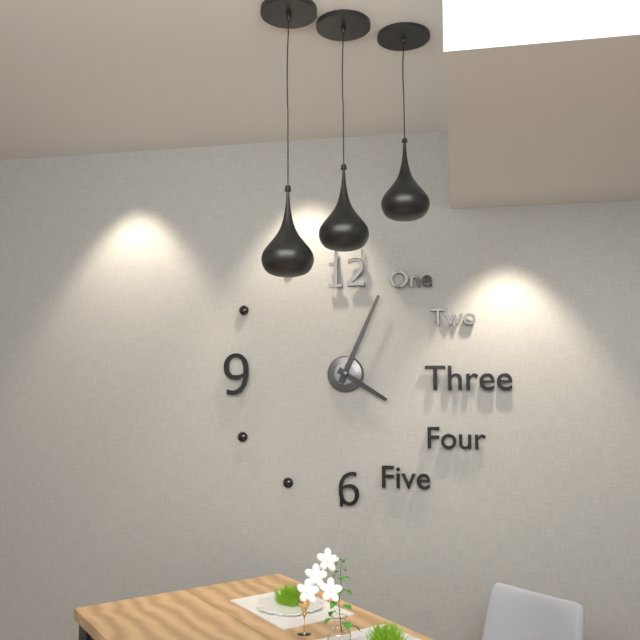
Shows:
4h04
